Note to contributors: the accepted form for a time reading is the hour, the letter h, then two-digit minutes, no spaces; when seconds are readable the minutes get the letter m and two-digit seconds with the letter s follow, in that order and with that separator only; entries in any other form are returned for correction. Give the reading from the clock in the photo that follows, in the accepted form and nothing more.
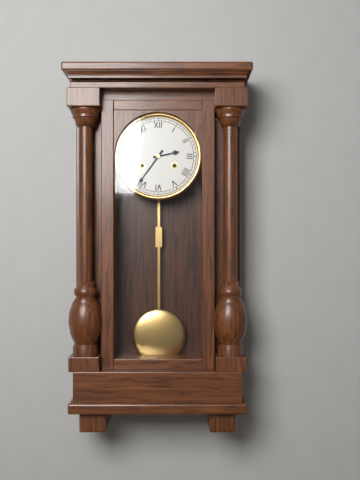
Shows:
2h36
